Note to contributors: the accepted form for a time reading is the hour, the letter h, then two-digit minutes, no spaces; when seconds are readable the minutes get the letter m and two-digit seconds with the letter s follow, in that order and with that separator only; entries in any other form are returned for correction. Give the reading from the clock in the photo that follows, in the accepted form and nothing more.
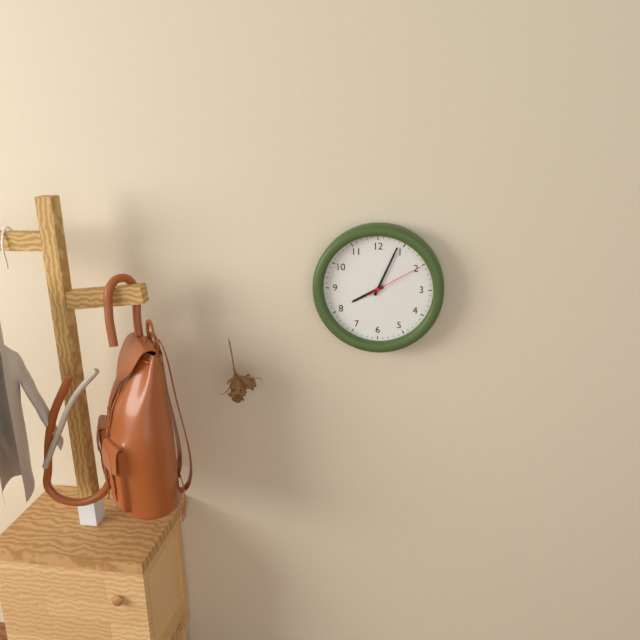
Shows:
8h04m10s
